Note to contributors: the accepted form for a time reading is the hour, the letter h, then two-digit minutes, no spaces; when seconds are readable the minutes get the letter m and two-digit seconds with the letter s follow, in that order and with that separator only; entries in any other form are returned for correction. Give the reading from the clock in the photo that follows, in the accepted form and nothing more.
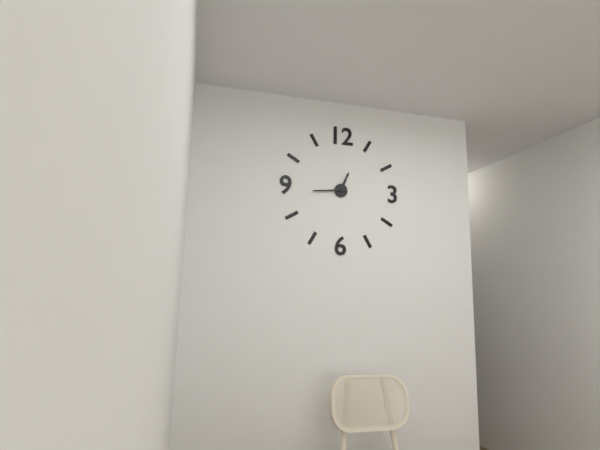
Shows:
12h44
